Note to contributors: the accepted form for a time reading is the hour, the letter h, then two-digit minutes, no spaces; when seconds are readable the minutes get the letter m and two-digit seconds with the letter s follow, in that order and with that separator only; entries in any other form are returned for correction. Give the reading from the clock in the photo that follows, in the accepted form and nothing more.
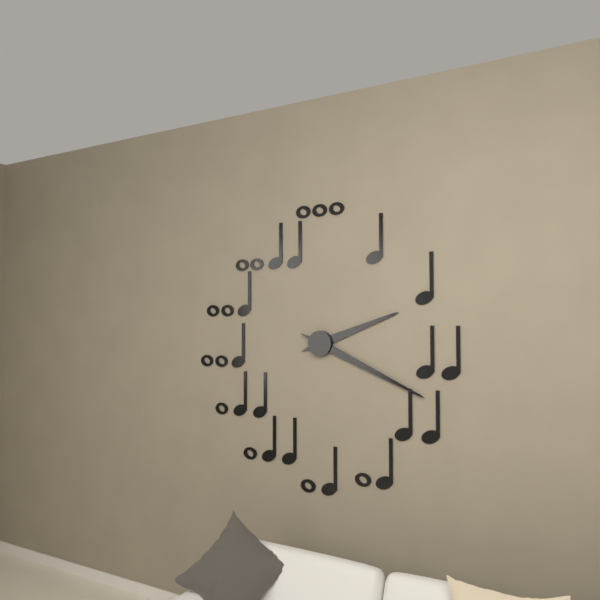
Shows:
2h19
